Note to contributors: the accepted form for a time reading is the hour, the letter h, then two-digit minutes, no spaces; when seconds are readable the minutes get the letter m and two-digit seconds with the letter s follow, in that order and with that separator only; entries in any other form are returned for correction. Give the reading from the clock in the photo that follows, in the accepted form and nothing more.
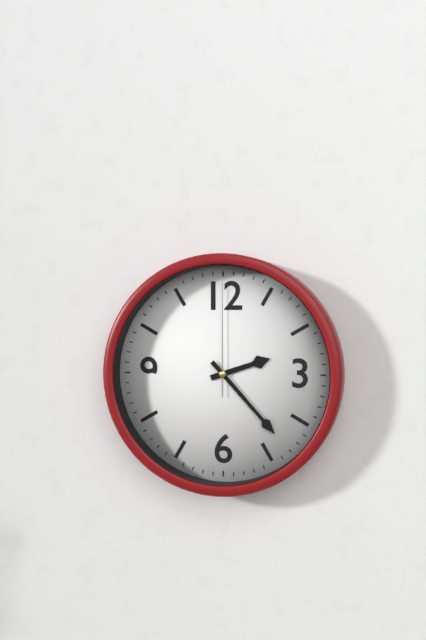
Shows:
2h23m00s
